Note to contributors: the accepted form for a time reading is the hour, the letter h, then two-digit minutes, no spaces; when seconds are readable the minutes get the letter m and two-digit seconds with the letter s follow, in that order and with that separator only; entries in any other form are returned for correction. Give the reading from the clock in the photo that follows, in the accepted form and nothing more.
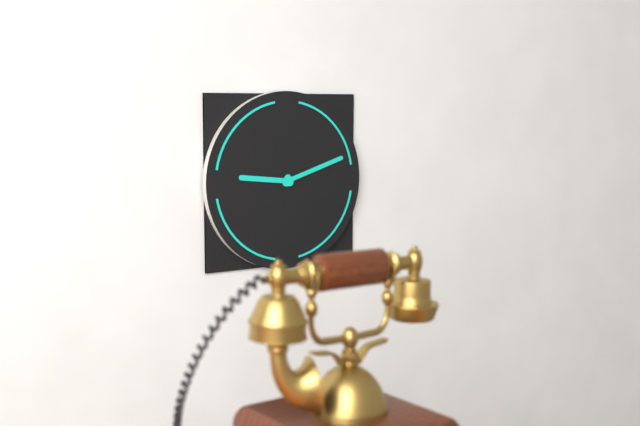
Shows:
9h12
